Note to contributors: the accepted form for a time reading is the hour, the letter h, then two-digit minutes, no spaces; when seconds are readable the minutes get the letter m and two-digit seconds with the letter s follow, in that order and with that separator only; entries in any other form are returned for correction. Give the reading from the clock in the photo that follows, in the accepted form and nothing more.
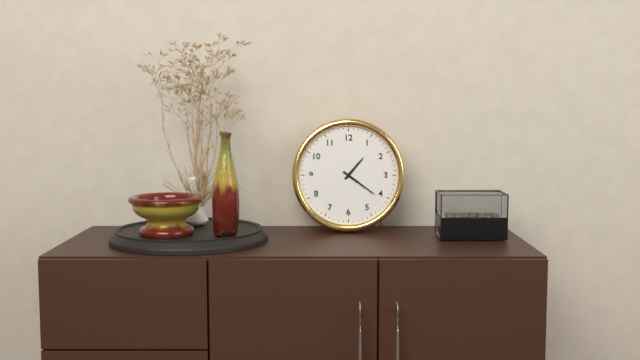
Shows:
1h21
